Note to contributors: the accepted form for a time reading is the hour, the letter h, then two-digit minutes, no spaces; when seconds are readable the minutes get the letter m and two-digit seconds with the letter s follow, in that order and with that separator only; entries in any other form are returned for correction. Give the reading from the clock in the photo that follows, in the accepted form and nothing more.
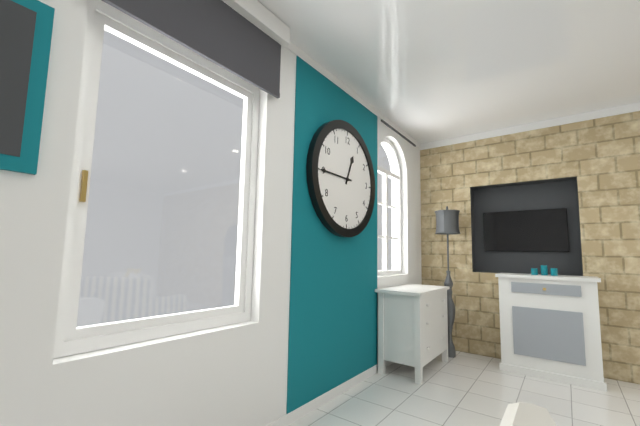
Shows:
12h45
